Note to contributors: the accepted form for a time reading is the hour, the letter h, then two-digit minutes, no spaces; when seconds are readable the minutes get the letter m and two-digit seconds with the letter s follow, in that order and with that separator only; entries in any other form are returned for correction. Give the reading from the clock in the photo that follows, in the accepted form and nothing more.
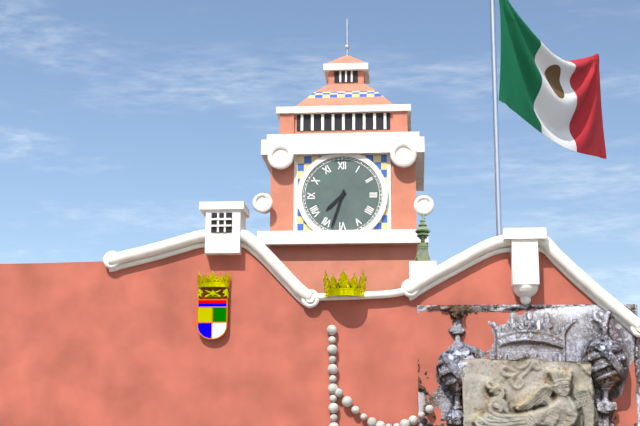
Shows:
7h33
